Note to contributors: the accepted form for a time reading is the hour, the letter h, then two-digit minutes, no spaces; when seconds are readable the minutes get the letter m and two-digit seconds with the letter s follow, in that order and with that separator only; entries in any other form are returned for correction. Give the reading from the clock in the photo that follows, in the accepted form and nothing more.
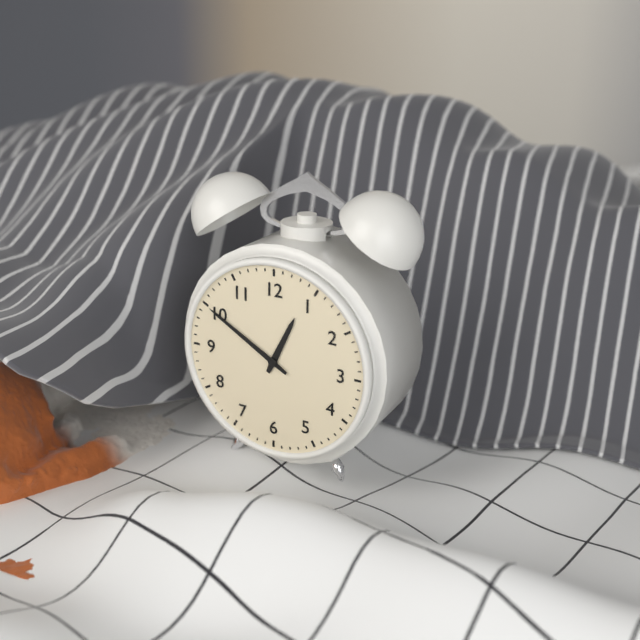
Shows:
12h50
